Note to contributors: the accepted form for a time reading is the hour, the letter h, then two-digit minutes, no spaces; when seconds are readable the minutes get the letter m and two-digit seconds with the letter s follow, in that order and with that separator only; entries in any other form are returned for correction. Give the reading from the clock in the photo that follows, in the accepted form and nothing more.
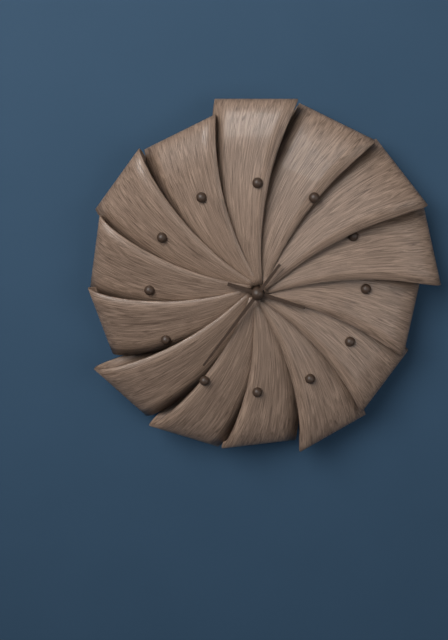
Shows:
3h36
